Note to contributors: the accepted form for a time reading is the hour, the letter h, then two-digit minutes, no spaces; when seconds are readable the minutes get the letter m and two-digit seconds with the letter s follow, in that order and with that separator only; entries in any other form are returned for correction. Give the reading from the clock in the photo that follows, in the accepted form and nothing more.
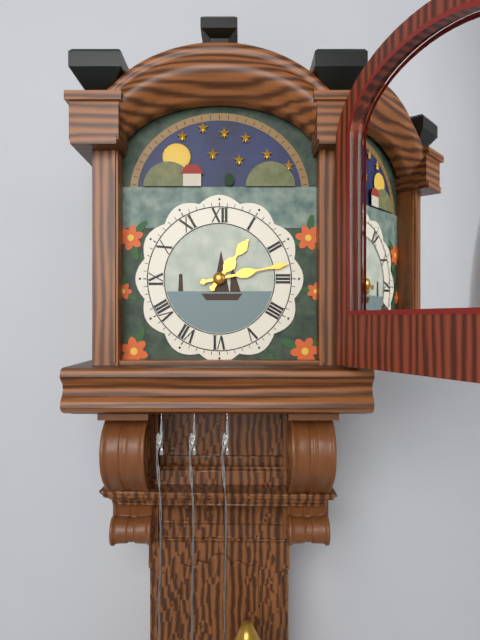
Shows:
1h13
